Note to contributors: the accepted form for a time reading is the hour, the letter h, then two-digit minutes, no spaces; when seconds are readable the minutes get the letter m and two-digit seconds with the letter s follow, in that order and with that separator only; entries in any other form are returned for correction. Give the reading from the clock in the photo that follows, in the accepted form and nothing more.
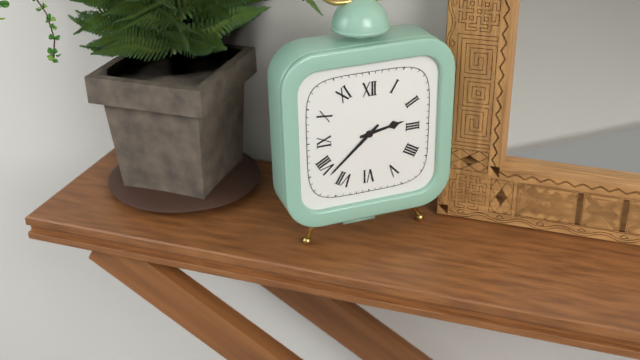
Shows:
2h38
